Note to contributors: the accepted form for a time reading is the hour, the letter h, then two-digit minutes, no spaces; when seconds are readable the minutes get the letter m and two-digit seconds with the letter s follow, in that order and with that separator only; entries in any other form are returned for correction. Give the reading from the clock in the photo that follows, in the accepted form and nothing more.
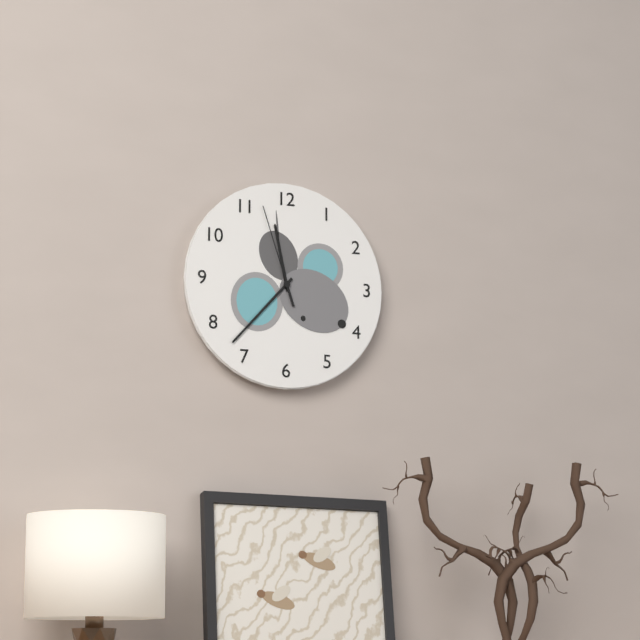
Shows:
11h37m57s
